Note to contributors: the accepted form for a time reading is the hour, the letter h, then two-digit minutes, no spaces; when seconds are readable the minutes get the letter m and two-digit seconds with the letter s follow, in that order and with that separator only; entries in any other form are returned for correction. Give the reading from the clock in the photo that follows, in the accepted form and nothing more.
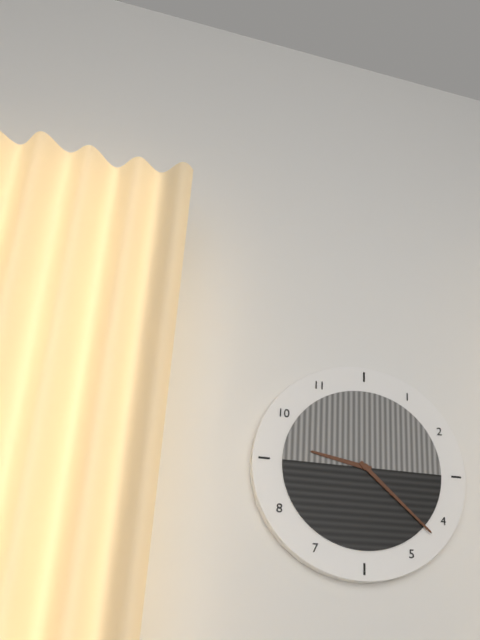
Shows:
9h22
